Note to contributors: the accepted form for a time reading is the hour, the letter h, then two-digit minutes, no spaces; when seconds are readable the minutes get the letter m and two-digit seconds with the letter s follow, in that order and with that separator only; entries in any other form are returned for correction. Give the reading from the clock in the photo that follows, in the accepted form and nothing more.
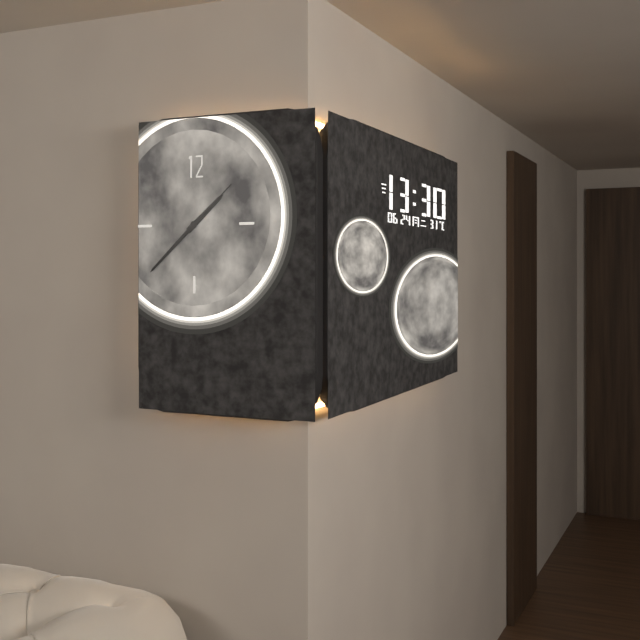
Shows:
1h38m08s
